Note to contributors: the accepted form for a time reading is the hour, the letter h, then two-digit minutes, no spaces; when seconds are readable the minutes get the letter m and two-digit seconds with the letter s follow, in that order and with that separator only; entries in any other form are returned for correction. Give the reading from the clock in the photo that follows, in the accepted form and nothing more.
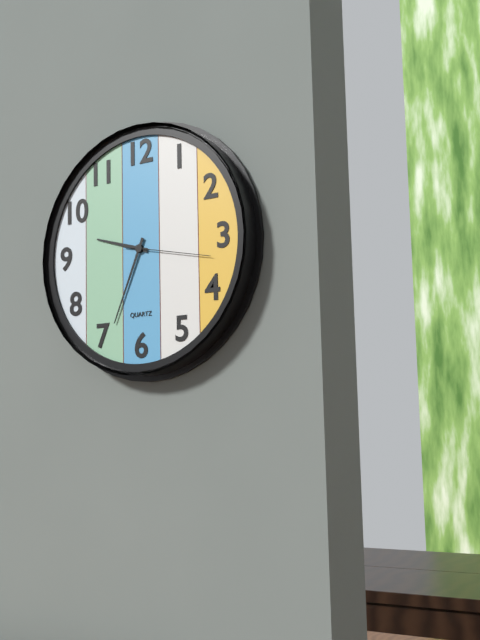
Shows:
9h34m17s
